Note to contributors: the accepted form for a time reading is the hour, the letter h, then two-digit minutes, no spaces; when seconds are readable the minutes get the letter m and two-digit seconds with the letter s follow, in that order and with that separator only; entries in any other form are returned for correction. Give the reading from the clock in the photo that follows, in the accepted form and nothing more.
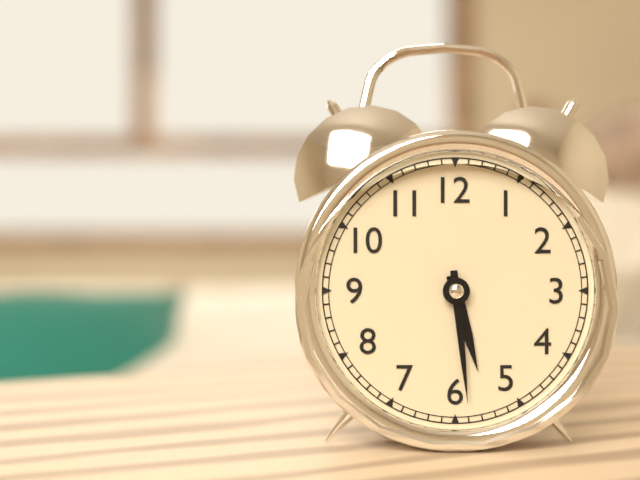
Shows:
5h29
